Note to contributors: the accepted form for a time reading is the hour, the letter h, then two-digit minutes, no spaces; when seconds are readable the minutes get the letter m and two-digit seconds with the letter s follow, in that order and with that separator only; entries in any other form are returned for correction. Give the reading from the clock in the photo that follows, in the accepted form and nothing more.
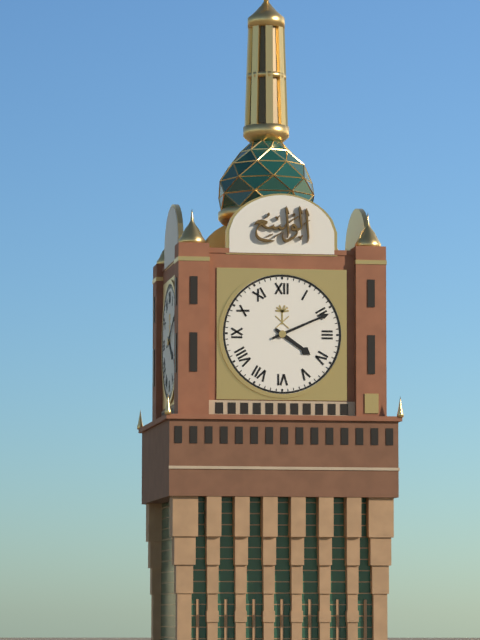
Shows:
4h11
